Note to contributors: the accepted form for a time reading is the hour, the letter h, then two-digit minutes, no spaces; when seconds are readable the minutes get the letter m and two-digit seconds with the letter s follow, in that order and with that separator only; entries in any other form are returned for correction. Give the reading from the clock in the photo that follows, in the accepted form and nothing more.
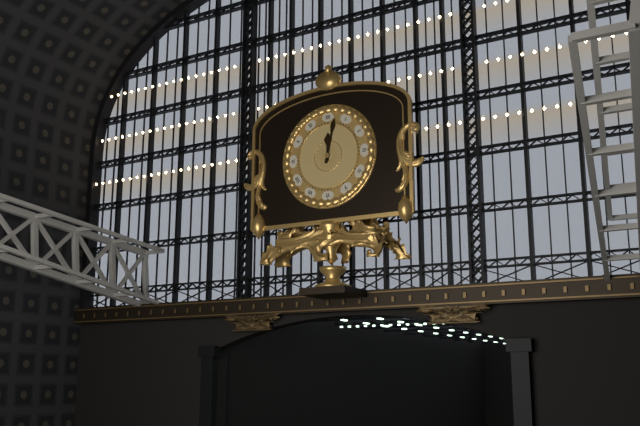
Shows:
12h02
